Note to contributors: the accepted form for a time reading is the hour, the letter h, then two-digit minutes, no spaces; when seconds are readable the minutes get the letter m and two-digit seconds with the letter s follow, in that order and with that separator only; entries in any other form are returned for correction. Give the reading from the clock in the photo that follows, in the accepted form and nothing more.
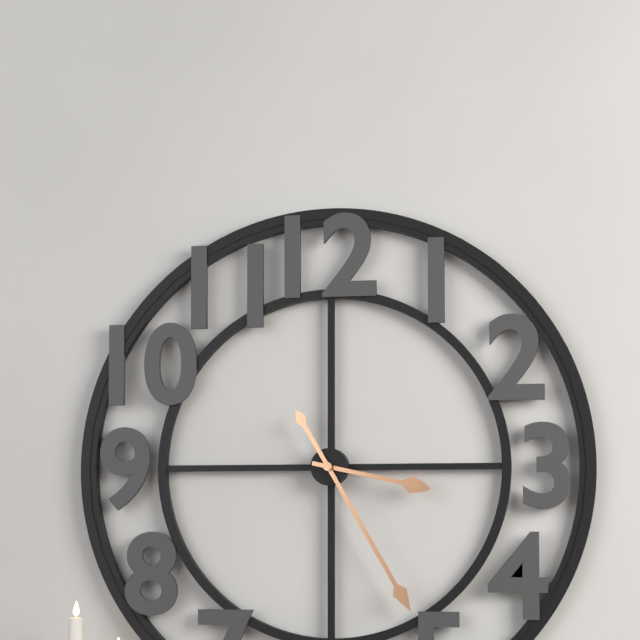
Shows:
3h25
